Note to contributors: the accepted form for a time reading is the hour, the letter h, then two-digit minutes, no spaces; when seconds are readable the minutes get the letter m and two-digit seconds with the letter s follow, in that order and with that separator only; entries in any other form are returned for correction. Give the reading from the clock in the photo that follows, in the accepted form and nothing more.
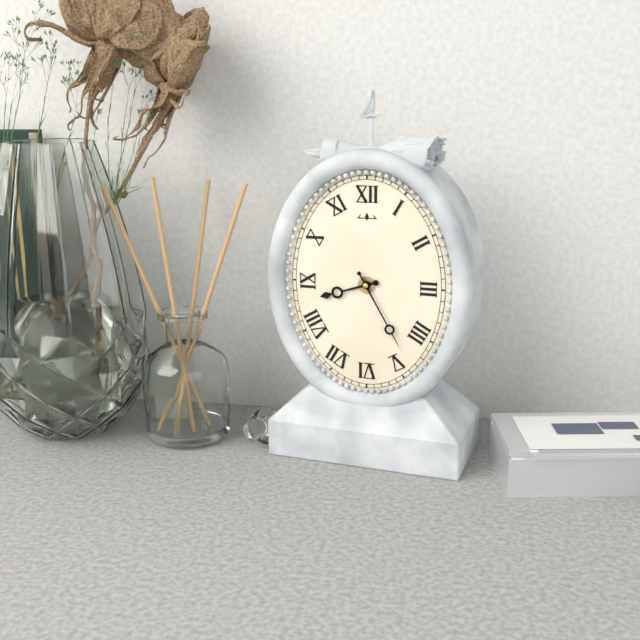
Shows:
8h25
